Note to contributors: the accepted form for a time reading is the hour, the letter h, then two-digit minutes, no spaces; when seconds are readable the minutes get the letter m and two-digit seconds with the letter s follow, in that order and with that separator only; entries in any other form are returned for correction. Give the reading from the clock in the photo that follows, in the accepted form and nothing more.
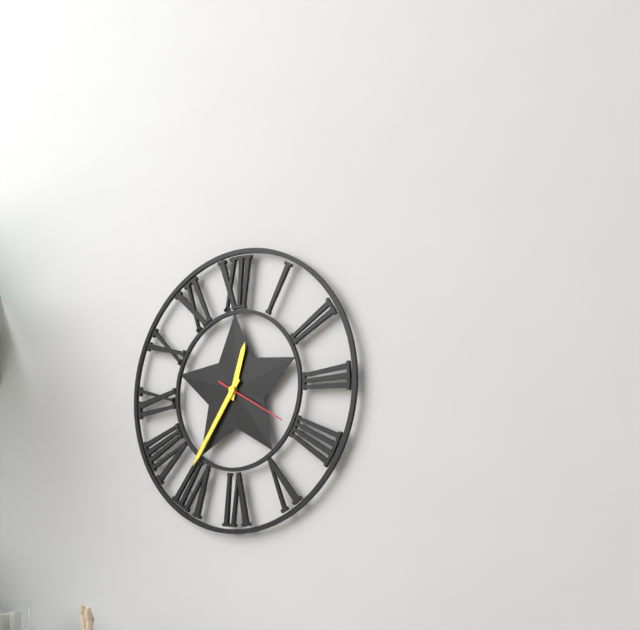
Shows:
12h36m20s
